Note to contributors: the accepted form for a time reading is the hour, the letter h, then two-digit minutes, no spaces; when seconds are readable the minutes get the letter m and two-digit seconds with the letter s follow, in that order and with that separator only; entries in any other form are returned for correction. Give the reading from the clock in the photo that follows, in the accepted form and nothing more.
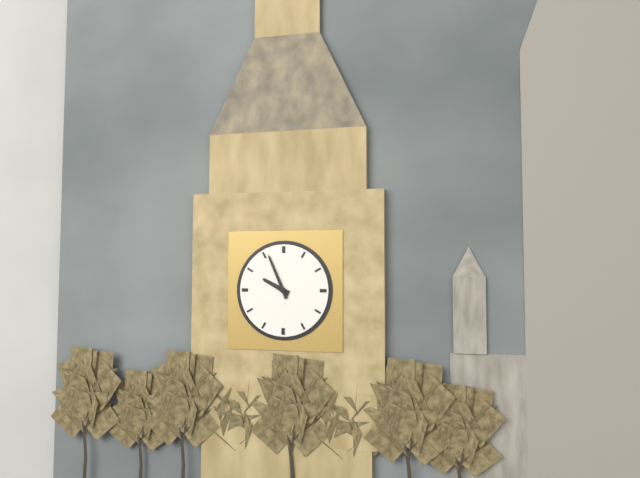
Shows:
9h56
